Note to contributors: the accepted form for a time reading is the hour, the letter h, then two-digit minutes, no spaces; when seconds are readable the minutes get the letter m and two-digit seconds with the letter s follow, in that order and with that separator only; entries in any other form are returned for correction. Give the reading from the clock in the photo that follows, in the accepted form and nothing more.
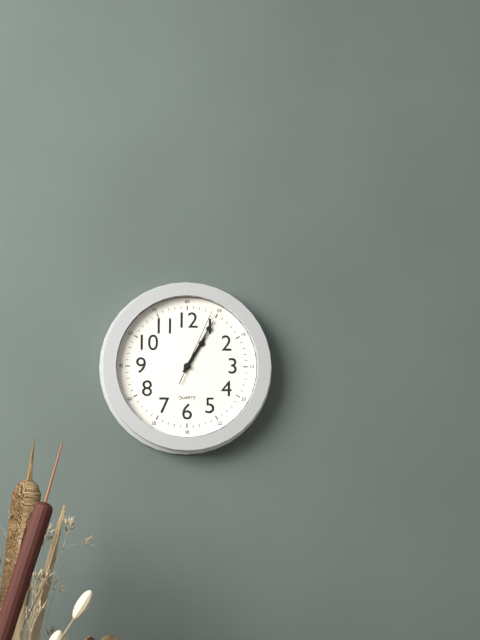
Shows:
1h05m04s
